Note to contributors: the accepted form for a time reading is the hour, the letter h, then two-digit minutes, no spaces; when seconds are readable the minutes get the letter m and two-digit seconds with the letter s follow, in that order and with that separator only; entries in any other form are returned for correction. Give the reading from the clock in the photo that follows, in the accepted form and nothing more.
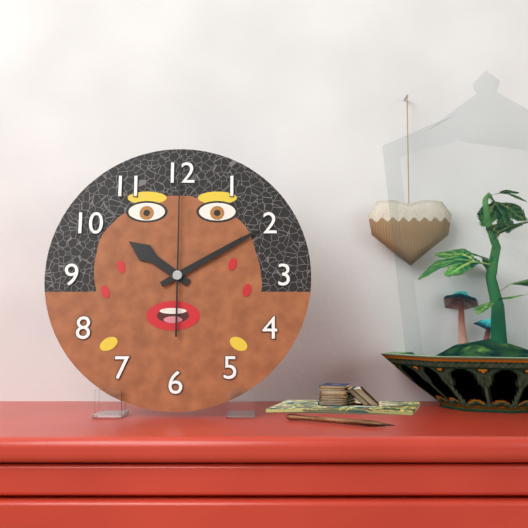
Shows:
10h10m00s
